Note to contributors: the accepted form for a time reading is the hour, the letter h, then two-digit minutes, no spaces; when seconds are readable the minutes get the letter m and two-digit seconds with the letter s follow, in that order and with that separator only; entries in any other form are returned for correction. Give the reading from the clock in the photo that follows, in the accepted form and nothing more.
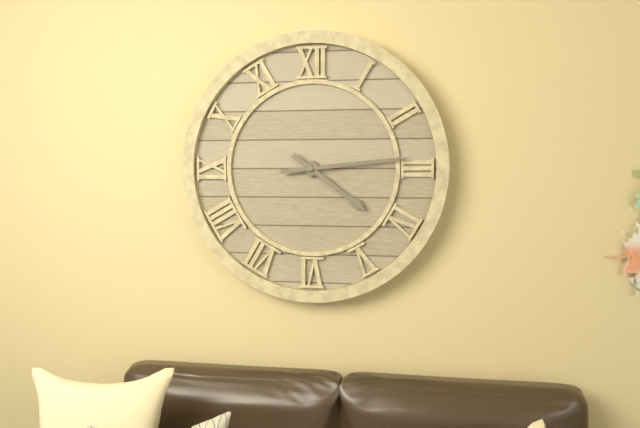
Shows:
4h14
